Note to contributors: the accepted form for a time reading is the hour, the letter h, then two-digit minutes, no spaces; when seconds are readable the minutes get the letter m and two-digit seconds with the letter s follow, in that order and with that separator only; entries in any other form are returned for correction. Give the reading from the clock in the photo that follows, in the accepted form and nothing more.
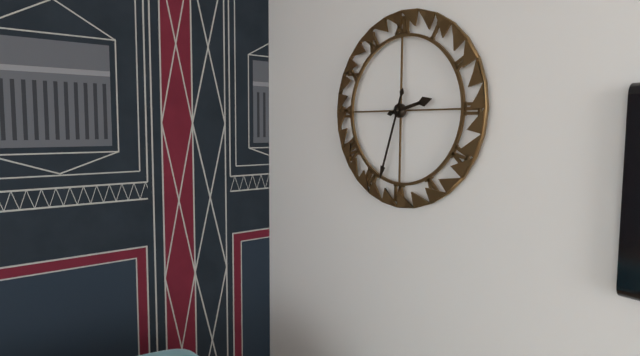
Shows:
2h33
